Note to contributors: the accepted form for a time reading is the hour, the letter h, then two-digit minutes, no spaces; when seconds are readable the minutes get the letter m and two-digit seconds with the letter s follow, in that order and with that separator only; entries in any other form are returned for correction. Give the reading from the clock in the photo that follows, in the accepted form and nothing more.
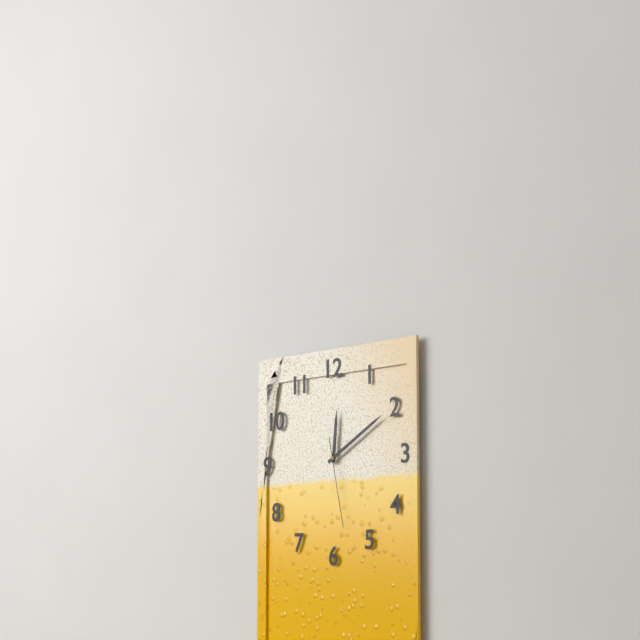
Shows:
12h10m28s
